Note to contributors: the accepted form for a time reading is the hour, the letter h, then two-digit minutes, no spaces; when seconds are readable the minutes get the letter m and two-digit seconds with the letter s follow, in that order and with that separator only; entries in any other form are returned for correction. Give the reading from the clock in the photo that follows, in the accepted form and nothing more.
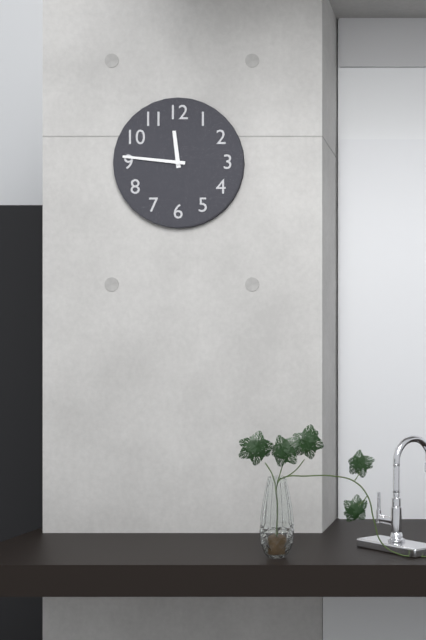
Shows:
11h46
